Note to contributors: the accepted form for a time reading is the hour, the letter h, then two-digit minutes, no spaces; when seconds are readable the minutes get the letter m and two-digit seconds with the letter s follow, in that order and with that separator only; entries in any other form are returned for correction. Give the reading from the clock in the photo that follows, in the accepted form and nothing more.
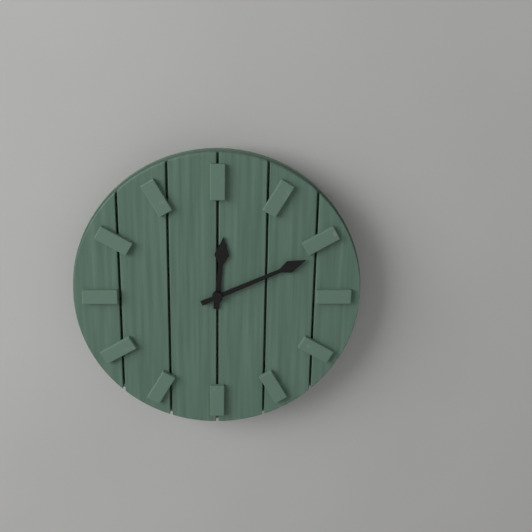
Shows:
12h11
